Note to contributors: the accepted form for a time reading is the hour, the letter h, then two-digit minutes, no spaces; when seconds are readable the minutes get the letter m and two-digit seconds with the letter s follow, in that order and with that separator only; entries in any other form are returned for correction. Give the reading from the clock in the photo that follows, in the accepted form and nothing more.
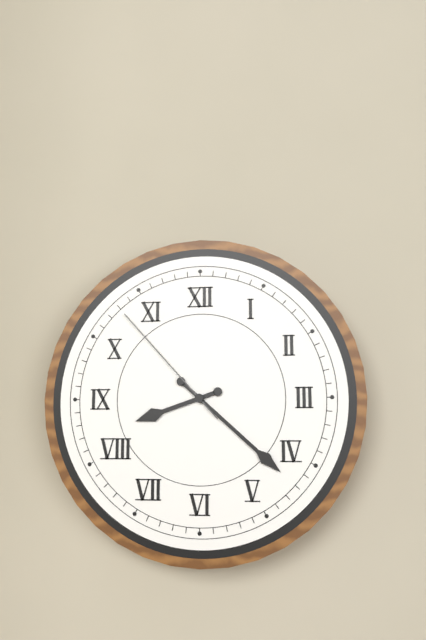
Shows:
8h22m53s
